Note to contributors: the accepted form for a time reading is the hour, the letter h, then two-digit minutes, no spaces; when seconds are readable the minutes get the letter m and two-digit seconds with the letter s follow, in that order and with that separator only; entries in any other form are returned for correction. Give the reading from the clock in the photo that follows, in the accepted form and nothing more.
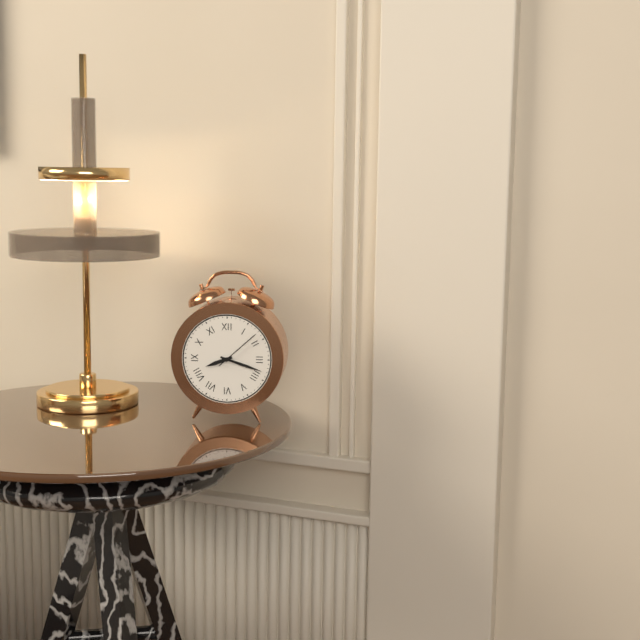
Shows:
8h18
